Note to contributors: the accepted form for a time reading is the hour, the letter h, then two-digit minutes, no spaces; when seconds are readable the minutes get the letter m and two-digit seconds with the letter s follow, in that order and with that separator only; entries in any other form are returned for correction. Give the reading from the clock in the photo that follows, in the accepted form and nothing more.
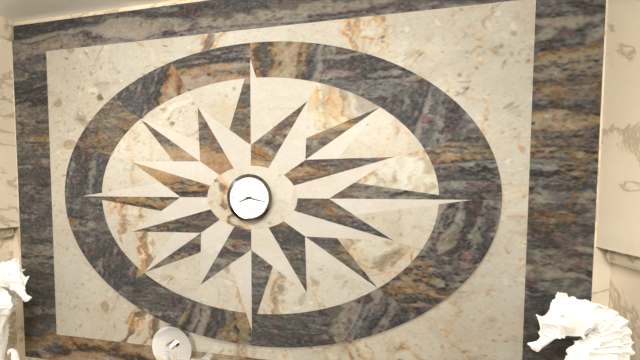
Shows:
8h17
